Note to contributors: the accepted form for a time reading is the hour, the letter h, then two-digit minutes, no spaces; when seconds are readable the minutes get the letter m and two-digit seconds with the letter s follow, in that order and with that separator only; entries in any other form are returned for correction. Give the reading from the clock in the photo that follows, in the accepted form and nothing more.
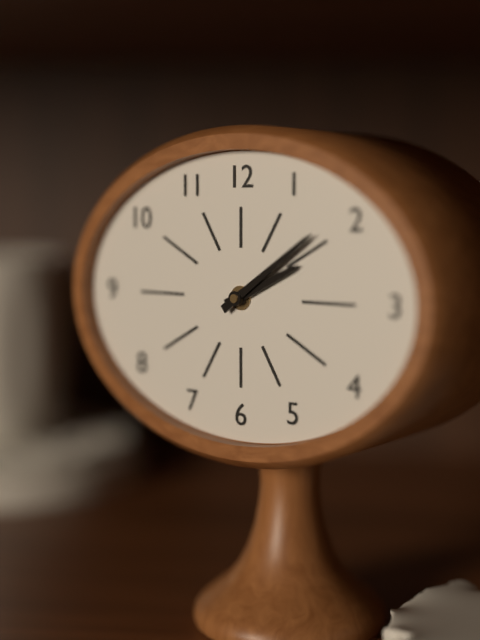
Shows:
2h09
